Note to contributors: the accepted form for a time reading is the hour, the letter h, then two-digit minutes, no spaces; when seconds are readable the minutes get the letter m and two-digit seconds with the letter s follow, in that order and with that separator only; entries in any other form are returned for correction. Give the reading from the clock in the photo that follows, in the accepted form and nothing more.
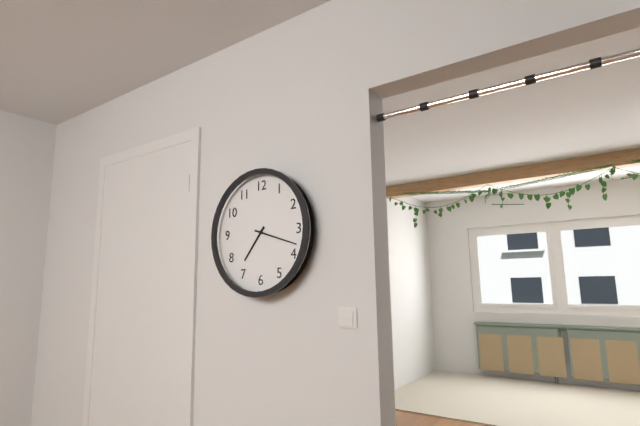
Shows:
7h18
